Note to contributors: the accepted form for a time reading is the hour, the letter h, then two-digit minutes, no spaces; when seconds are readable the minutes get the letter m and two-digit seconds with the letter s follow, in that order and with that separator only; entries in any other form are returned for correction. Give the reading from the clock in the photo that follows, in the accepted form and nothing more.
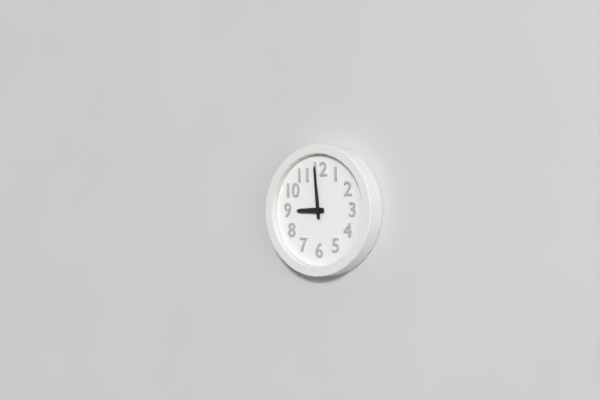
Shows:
8h59
